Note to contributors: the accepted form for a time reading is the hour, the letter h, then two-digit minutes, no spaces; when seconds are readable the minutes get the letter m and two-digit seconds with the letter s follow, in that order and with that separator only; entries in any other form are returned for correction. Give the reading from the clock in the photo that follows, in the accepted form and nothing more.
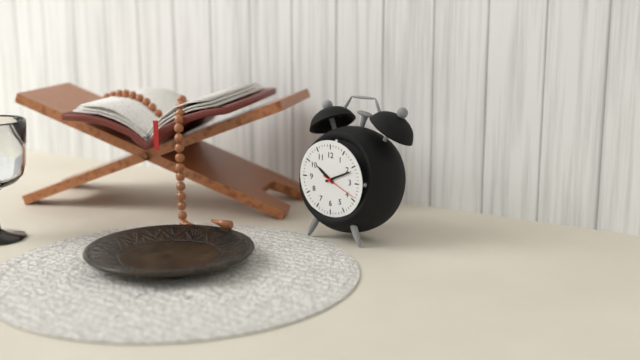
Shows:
10h11
